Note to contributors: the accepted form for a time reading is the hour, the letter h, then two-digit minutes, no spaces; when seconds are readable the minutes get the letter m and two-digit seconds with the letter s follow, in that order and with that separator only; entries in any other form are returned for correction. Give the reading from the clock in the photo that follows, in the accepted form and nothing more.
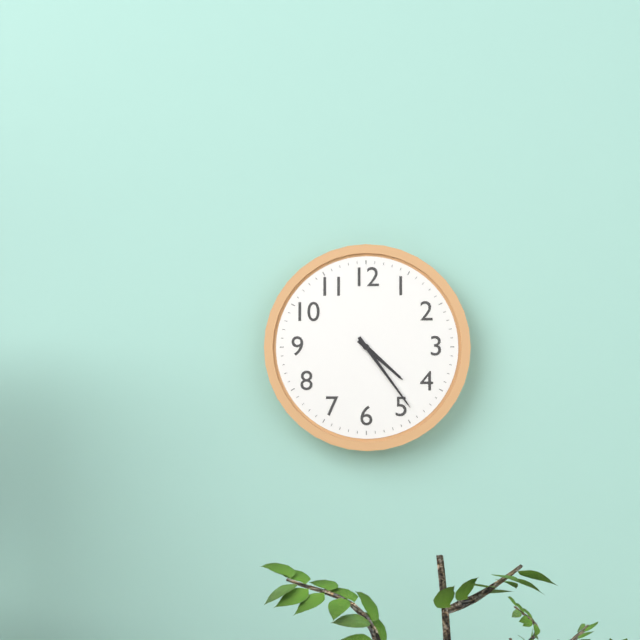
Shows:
4h24
